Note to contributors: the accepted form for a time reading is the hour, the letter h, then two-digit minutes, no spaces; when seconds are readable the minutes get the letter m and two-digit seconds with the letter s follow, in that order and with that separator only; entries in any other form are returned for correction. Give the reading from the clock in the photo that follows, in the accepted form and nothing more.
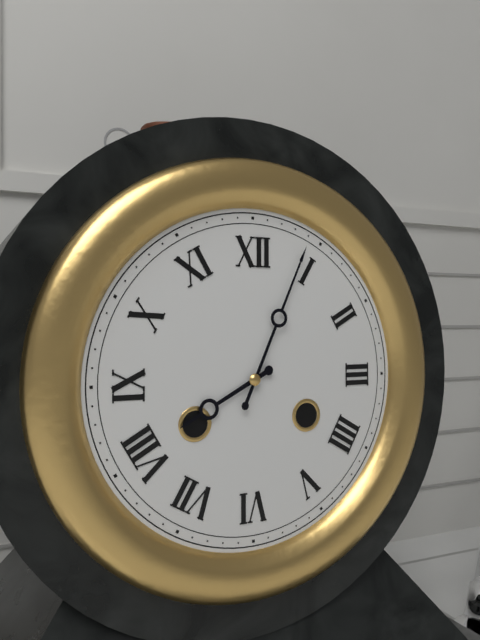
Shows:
8h04
